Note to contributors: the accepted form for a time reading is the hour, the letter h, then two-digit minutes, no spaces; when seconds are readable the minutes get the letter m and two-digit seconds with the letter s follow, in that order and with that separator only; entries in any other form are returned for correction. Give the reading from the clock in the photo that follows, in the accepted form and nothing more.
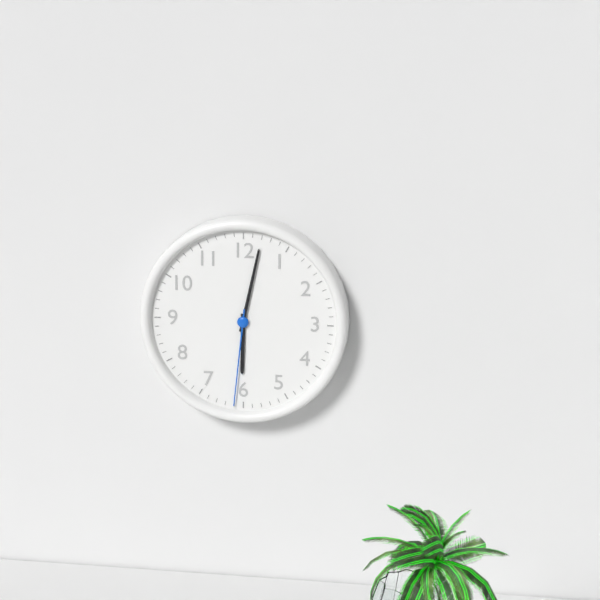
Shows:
6h02m31s
